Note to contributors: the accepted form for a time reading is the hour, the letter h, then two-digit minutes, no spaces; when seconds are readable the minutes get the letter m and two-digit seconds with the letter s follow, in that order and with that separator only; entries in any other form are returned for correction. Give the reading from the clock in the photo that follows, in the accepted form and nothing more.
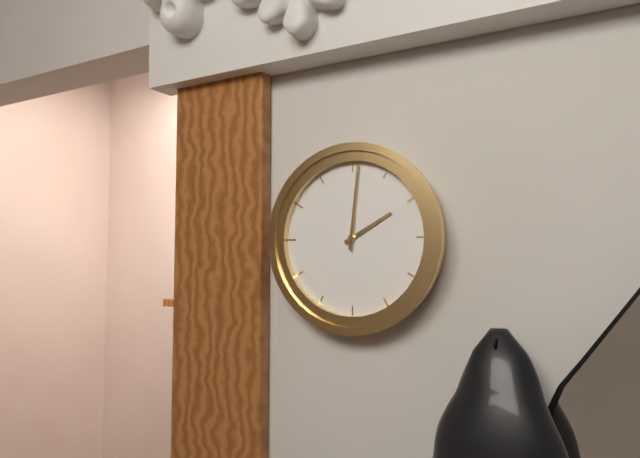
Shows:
2h01
